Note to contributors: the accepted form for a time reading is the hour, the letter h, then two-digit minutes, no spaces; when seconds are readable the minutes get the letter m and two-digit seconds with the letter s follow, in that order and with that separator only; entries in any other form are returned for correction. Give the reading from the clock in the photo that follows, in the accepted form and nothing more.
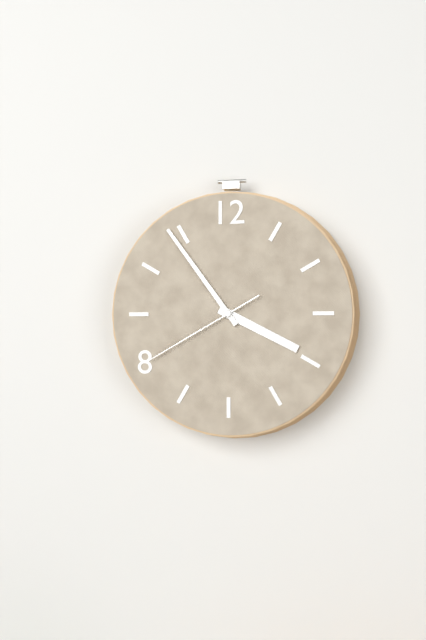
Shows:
3h54m40s
